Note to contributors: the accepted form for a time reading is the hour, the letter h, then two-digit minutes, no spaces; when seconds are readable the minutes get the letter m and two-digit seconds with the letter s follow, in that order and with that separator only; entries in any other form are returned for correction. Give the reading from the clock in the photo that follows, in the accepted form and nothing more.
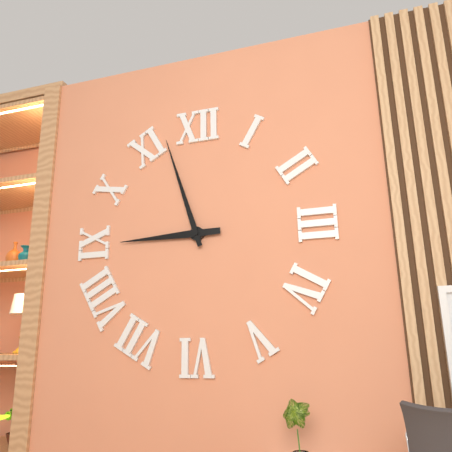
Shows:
8h57
